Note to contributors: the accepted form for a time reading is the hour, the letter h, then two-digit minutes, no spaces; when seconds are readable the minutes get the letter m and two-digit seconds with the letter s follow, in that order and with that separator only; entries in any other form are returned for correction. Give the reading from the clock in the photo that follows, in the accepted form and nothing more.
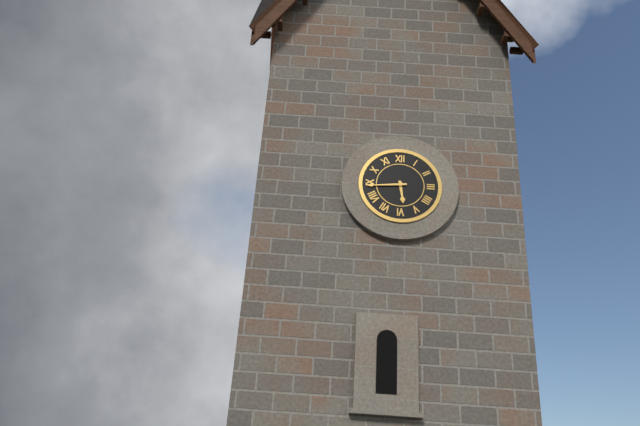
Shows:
5h44
